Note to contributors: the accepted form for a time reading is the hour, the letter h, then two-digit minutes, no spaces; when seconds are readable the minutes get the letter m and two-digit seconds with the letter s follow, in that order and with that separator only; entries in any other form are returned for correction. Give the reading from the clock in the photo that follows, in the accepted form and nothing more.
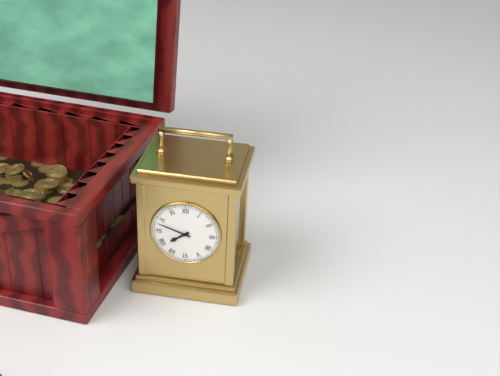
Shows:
7h48
